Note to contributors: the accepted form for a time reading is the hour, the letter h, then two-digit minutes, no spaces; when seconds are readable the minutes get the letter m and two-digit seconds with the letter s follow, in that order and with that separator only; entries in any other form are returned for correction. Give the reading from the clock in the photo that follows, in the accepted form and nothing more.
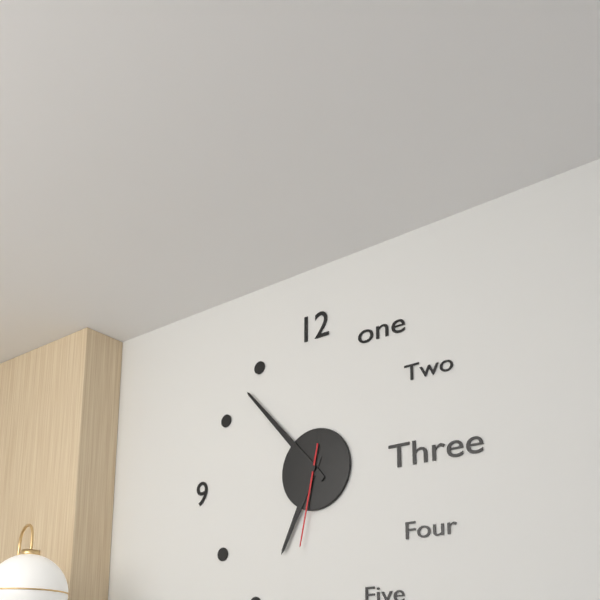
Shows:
6h53m32s
